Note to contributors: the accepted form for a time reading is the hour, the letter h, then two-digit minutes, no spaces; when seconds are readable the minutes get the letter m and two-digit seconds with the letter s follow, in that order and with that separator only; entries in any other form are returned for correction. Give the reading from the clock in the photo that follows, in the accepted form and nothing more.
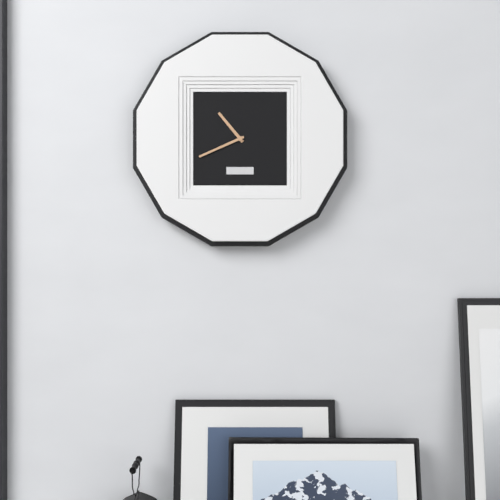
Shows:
10h41
